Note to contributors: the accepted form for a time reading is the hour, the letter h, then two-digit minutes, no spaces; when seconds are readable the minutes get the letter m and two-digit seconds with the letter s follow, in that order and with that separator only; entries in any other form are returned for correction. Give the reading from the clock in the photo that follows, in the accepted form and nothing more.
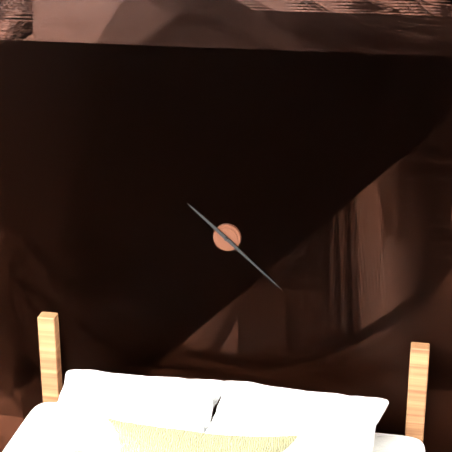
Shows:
10h22
